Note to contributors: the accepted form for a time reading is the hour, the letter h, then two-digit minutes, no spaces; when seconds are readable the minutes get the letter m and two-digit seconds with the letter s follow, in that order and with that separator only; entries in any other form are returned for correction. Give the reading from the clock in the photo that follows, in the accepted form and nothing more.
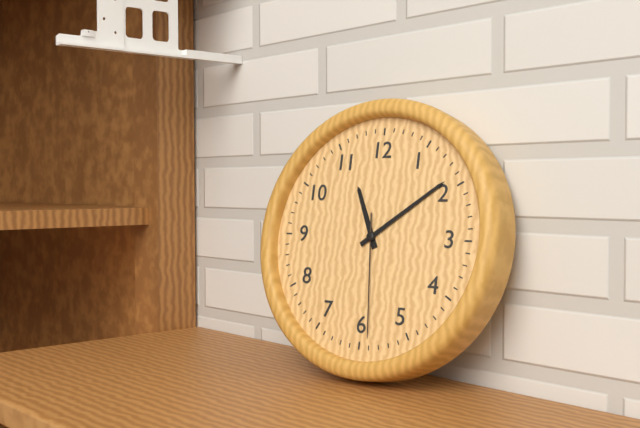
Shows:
11h09m29s
